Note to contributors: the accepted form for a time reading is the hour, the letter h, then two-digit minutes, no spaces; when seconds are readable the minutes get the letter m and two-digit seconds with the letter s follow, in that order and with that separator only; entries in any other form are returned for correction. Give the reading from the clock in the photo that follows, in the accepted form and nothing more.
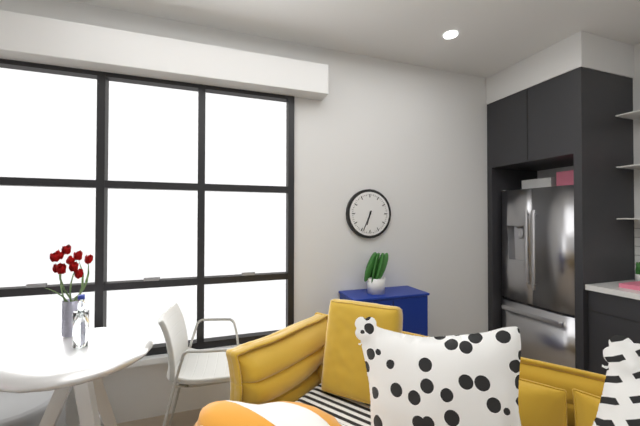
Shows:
6h34
